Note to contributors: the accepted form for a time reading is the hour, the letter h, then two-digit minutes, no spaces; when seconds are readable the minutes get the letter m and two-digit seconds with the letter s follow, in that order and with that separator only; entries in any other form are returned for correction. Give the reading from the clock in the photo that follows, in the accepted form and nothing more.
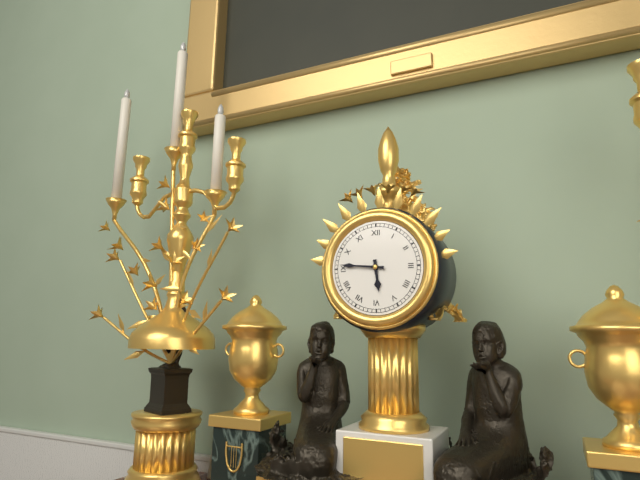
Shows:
5h46
